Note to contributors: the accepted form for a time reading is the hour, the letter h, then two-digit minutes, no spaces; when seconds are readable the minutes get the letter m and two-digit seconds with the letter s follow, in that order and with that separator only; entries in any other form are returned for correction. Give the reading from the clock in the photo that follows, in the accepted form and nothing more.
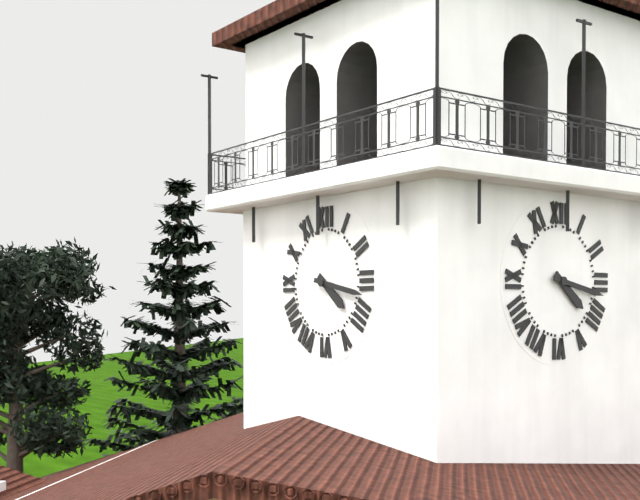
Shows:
4h17
